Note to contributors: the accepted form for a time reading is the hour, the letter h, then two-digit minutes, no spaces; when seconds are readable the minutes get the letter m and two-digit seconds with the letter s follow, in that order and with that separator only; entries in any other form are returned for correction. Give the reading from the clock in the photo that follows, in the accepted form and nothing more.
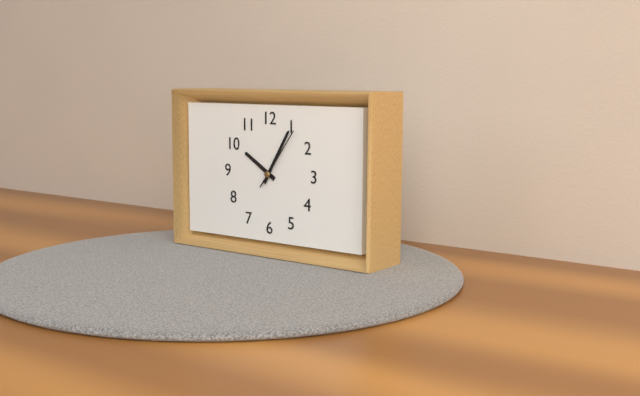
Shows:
10h05m06s
